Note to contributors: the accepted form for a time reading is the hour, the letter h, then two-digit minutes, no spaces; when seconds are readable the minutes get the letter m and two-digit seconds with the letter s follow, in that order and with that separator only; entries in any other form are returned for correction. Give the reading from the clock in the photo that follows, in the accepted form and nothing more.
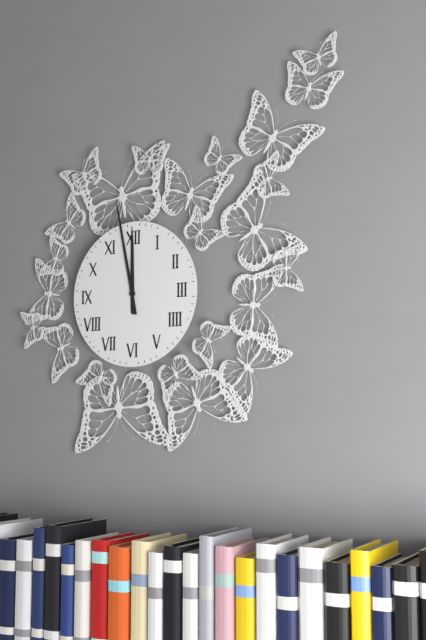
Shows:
11h58
